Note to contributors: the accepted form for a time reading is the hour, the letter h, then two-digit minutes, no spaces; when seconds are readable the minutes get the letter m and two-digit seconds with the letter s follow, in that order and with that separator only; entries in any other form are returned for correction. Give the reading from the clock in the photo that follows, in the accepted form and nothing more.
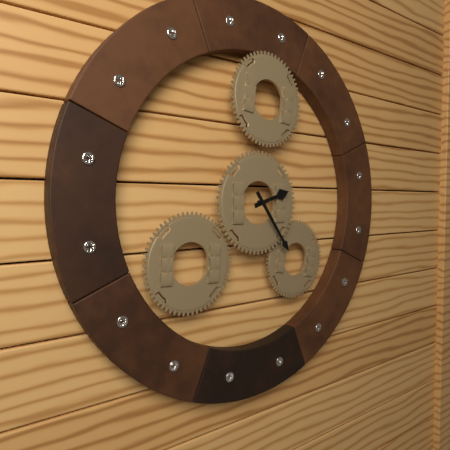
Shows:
2h24
